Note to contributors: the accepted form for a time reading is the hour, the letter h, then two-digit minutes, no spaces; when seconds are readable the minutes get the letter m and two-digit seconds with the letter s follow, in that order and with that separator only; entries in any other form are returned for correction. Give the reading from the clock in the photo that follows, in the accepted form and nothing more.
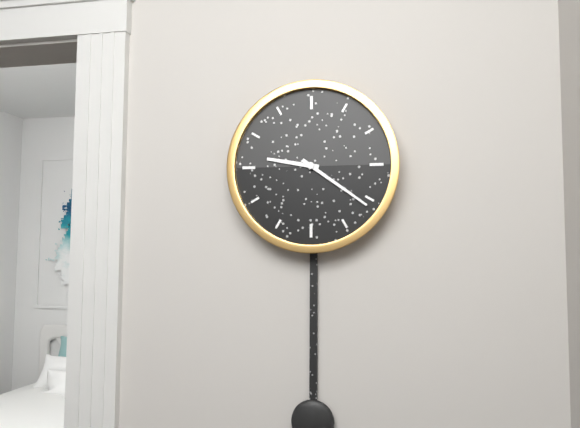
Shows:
9h21
